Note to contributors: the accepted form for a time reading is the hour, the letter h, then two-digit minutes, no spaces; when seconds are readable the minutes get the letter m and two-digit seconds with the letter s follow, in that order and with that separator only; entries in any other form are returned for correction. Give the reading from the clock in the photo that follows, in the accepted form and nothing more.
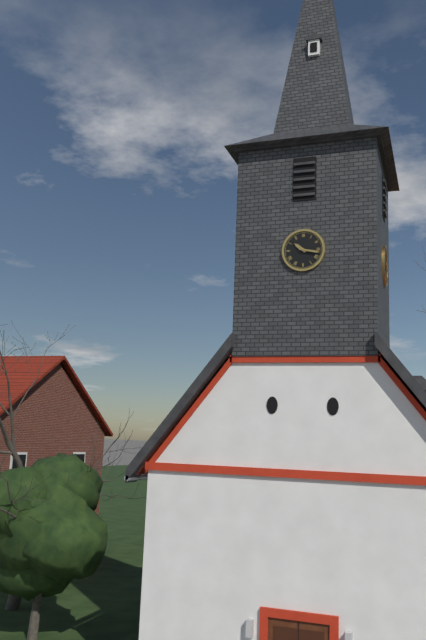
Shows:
10h17
